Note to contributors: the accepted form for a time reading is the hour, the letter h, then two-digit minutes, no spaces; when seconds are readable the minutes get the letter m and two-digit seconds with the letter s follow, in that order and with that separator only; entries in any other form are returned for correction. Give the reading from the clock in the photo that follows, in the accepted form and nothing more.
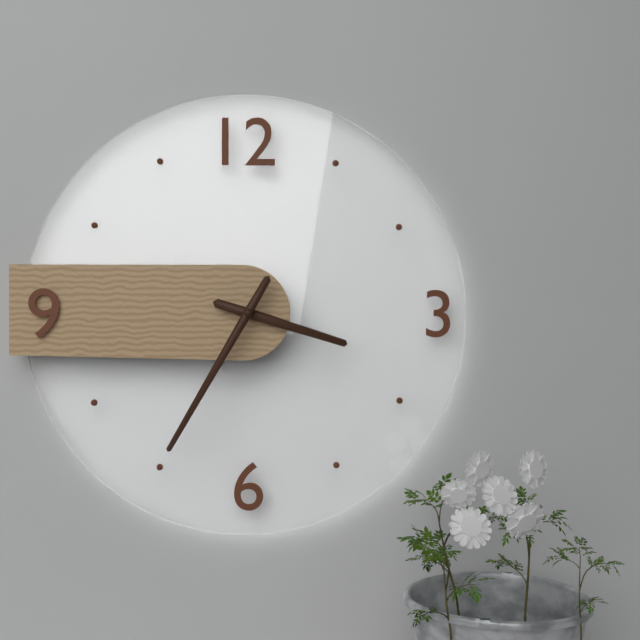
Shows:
3h35
